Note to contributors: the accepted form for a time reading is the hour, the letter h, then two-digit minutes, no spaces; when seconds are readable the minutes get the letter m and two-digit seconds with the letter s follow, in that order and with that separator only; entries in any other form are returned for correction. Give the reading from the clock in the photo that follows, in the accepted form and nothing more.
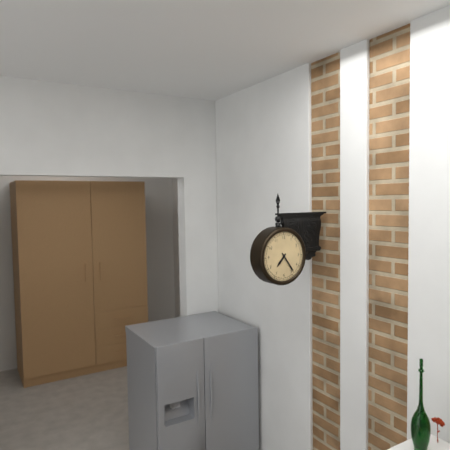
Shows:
7h24
